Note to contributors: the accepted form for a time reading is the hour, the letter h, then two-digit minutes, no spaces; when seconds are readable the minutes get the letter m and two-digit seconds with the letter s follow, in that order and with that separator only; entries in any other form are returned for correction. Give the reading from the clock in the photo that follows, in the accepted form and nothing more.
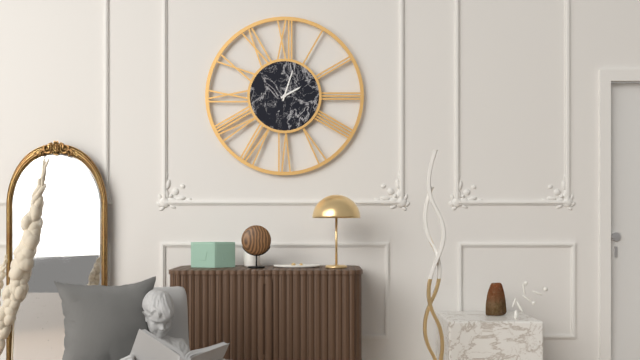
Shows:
2h03
